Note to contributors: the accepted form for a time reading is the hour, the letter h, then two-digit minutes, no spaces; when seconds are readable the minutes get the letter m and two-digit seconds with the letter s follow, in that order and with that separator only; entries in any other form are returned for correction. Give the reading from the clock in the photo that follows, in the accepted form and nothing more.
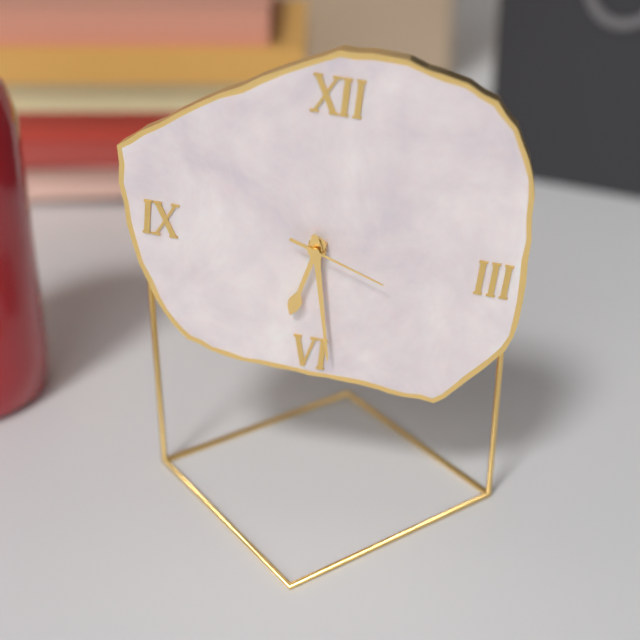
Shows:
6h28m18s
